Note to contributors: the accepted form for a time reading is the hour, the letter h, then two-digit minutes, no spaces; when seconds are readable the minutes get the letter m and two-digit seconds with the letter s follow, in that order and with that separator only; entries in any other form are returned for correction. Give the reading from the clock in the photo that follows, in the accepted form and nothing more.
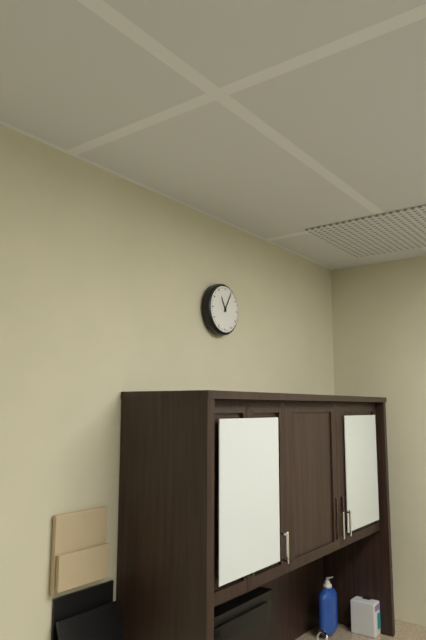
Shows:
11h05
